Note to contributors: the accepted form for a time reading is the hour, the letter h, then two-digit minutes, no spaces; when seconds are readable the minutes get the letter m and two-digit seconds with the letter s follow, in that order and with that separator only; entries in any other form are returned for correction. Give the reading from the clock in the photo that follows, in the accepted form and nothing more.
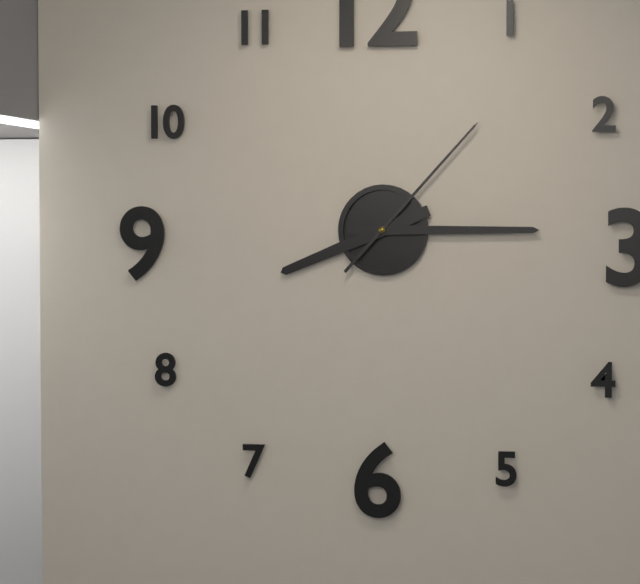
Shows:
8h15m07s
